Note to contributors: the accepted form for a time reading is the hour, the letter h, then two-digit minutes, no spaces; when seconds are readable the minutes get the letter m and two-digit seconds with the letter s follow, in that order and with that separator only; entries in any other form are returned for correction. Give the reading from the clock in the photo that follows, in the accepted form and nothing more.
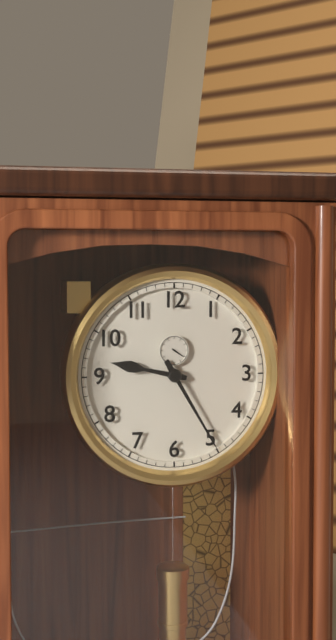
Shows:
9h25
